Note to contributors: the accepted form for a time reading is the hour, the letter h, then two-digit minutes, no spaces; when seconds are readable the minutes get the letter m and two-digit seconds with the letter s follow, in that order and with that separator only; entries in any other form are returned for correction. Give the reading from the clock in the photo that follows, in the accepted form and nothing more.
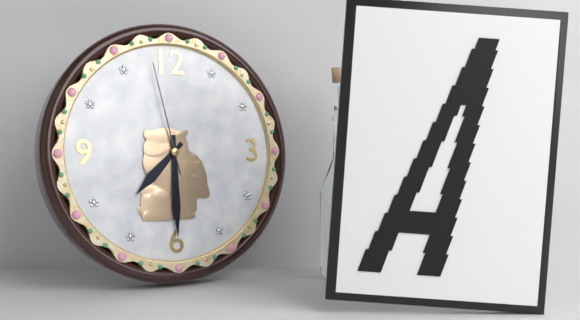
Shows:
7h30m58s
